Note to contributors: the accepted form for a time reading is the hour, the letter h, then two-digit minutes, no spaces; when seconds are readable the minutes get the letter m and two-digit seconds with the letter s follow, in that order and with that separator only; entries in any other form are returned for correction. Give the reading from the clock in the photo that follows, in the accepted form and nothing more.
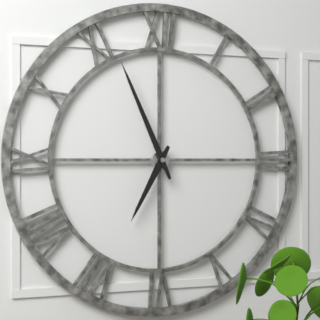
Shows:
6h56
